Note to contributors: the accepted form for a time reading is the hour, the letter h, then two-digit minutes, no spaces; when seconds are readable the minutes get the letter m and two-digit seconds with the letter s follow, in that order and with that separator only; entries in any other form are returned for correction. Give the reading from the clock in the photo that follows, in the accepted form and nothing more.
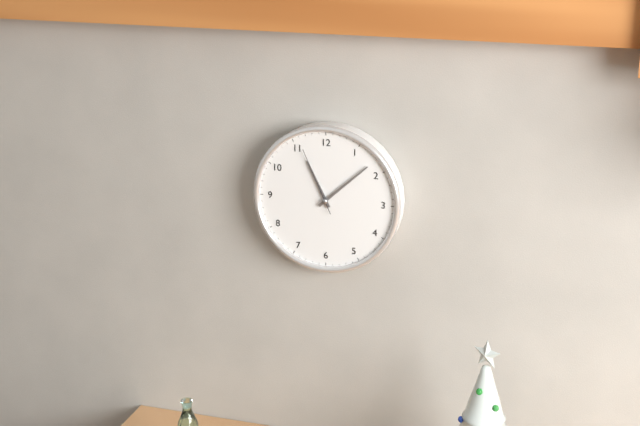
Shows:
11h08m56s
